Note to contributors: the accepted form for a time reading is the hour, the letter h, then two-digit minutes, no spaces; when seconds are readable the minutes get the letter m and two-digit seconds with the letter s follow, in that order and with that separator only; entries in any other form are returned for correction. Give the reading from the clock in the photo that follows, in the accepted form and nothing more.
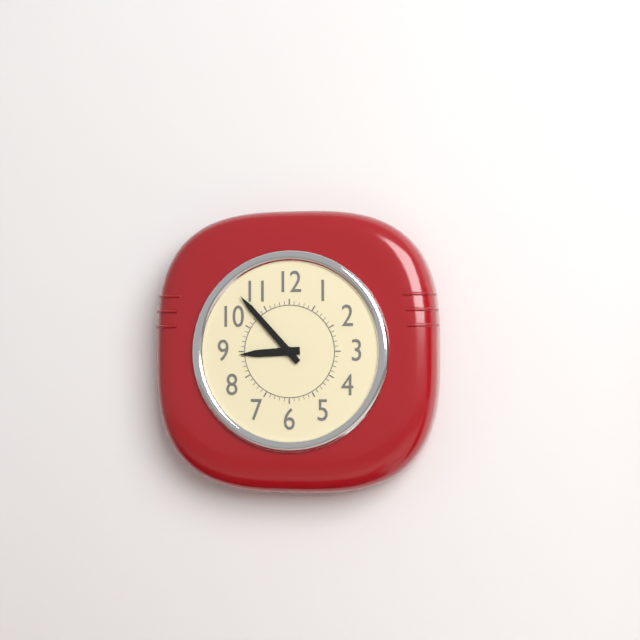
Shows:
8h53
